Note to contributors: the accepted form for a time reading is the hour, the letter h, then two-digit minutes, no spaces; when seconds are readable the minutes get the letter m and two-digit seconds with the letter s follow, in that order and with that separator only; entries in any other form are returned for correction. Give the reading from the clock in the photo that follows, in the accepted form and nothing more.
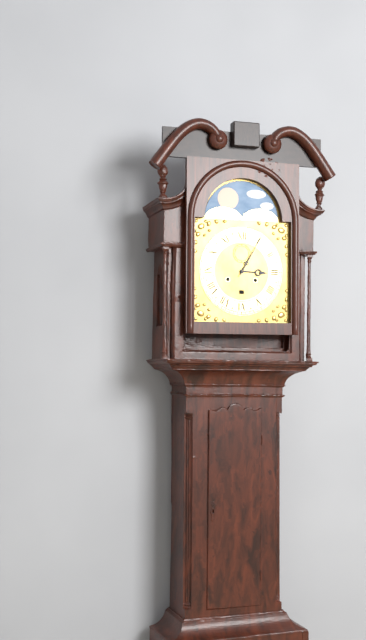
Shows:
3h05
